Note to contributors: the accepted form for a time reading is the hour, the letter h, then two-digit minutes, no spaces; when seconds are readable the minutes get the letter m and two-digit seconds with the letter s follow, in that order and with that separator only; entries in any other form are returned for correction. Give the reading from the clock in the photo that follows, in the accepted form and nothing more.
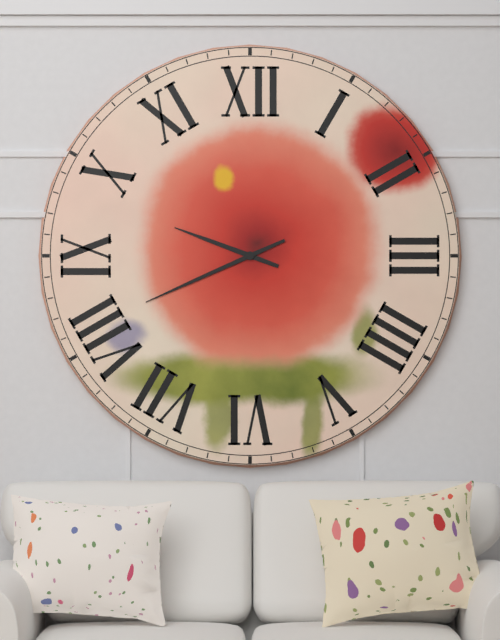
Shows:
9h41
